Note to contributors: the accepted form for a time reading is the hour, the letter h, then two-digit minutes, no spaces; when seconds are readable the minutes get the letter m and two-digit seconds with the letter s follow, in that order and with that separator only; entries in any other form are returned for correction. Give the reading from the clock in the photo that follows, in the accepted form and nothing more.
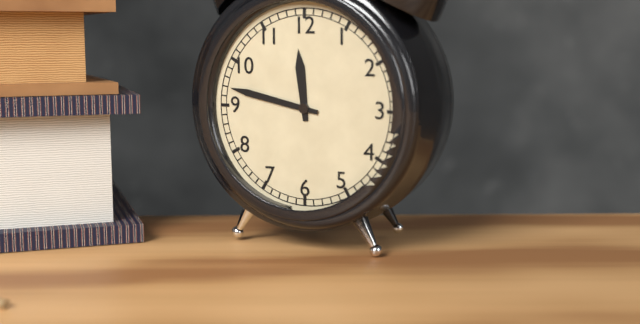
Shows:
11h47
